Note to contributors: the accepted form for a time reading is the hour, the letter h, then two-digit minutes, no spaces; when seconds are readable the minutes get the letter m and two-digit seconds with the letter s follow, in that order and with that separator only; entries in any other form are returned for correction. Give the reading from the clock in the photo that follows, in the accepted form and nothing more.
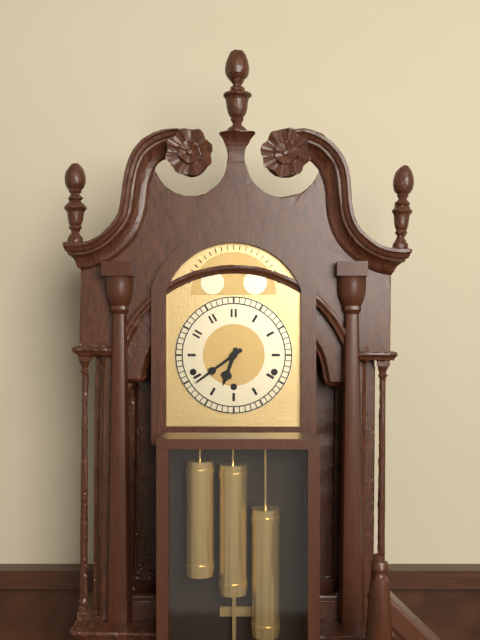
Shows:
6h39
